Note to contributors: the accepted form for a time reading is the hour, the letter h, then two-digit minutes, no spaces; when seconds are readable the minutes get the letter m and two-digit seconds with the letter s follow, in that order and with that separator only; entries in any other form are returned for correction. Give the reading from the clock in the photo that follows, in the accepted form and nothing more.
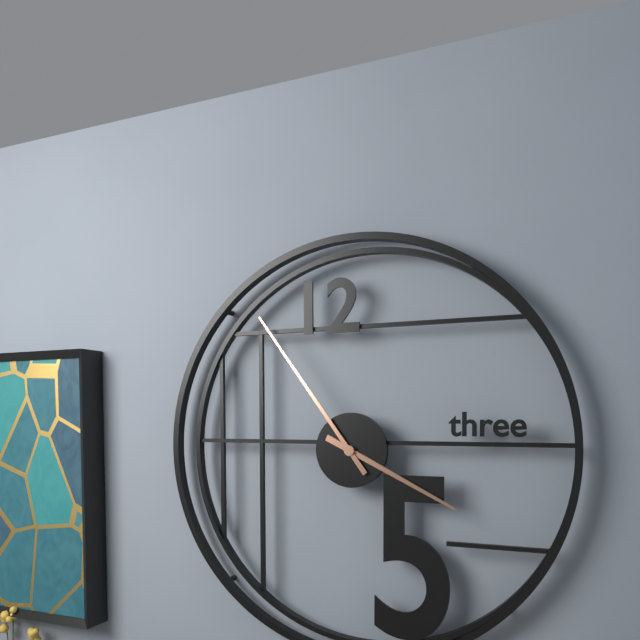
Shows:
3h54
